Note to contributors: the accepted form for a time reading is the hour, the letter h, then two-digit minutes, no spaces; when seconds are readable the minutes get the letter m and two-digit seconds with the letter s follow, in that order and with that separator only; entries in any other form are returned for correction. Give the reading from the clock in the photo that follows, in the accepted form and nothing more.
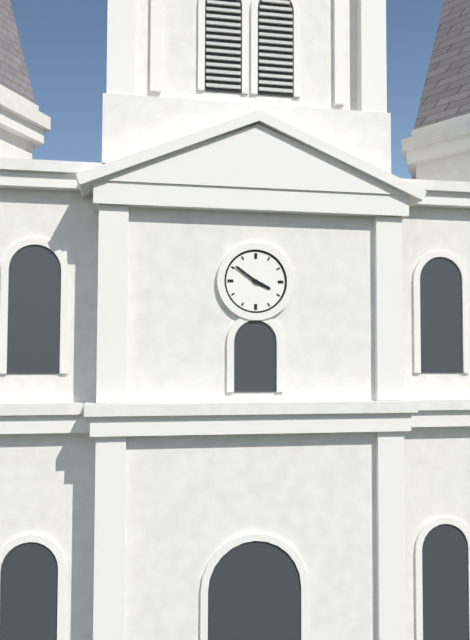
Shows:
3h51
